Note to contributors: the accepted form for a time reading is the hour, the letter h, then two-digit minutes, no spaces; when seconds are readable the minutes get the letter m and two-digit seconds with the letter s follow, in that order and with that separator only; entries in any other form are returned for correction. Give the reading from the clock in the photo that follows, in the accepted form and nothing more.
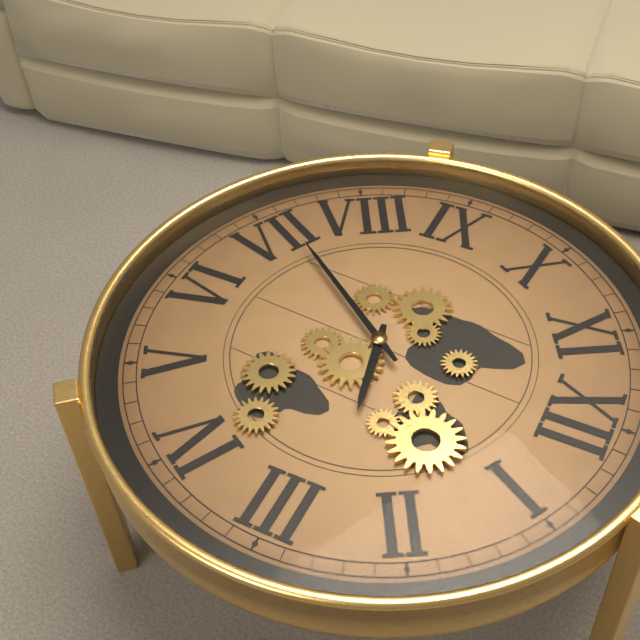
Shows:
2h36
